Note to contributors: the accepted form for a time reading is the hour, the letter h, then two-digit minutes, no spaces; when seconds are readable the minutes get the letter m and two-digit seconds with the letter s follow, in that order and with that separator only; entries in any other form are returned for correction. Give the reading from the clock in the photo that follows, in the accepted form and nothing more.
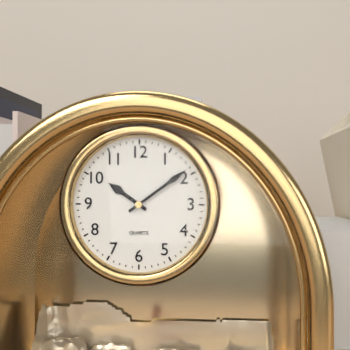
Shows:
10h09
